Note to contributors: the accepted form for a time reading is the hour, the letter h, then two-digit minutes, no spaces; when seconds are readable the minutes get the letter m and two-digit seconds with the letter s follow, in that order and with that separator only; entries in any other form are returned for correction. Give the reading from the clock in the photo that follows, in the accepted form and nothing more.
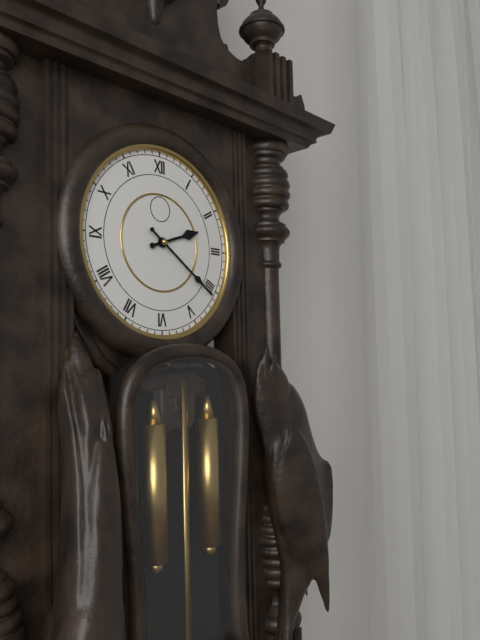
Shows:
2h21
